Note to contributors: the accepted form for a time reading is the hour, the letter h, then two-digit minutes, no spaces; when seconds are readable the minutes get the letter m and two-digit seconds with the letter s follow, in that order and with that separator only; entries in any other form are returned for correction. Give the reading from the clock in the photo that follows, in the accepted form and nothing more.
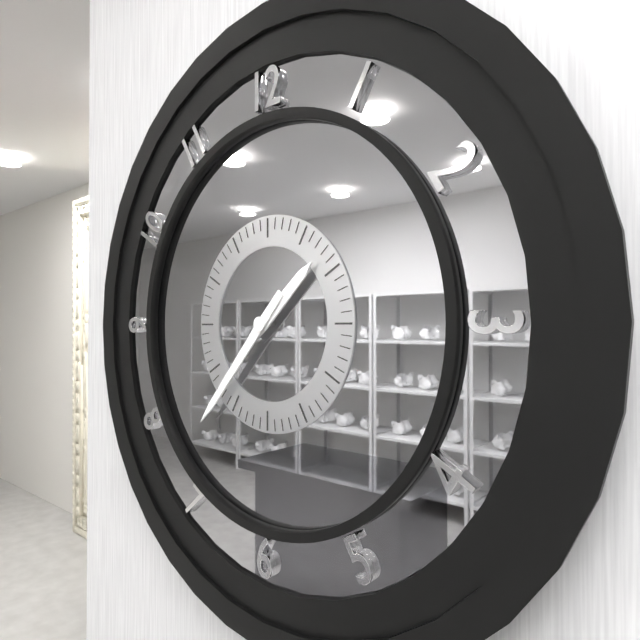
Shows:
1h37
